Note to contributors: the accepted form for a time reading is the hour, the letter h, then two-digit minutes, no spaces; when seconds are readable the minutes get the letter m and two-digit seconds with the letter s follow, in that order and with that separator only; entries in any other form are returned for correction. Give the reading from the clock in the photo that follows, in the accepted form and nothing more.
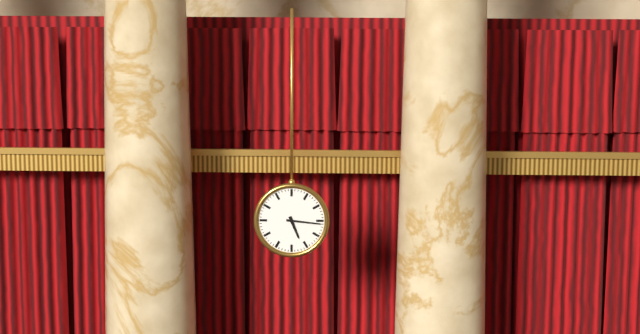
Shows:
5h16
